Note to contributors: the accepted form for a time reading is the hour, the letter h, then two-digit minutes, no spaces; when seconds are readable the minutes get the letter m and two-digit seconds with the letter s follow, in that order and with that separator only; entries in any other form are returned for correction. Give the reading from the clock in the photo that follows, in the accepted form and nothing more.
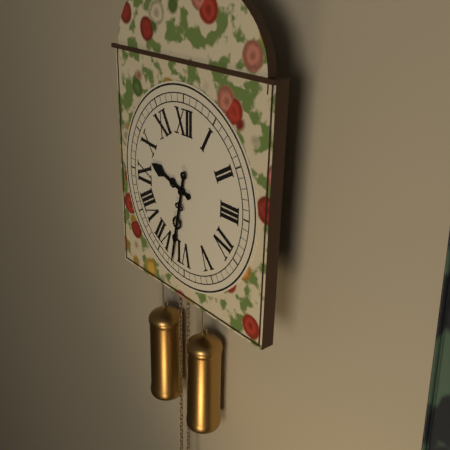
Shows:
9h32
